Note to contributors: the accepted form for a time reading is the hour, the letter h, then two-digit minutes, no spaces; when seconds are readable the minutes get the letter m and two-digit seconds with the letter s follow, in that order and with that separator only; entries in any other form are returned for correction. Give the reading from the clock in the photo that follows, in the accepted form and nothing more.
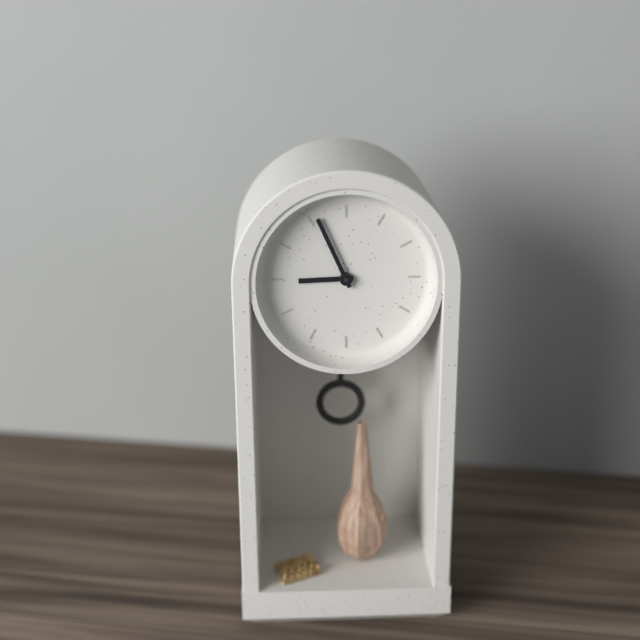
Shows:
8h56
